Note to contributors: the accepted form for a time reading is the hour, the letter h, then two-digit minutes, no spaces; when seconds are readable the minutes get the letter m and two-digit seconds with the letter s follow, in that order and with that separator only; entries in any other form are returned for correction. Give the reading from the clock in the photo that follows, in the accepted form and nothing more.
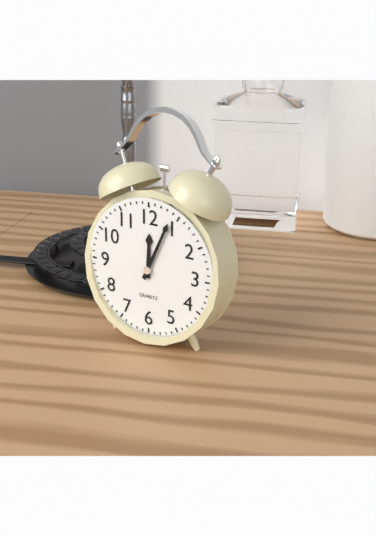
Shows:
12h04
